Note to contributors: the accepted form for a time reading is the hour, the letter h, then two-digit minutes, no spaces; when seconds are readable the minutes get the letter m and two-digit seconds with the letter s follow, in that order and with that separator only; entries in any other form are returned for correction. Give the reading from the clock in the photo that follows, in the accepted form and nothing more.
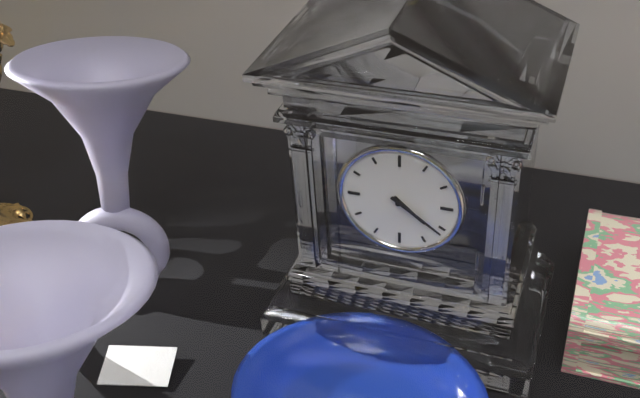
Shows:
4h21
